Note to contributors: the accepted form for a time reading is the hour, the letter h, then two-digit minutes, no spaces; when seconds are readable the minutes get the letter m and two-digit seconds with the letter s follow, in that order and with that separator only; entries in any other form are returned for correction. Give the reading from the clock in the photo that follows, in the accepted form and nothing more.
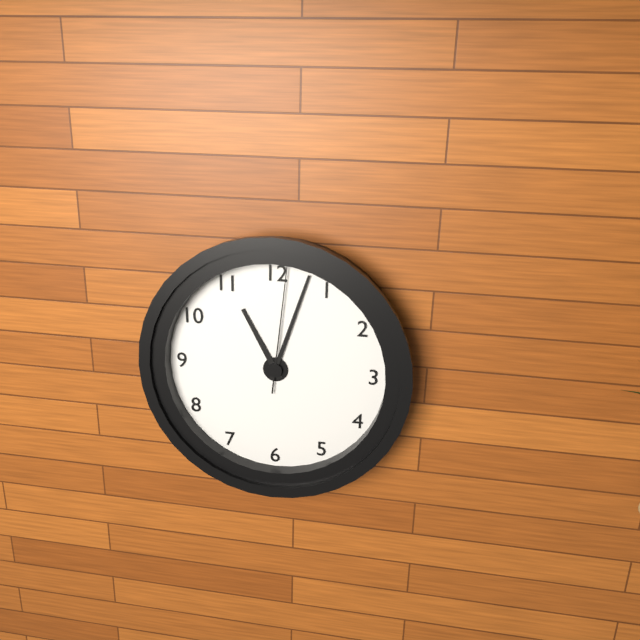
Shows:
11h03m01s
